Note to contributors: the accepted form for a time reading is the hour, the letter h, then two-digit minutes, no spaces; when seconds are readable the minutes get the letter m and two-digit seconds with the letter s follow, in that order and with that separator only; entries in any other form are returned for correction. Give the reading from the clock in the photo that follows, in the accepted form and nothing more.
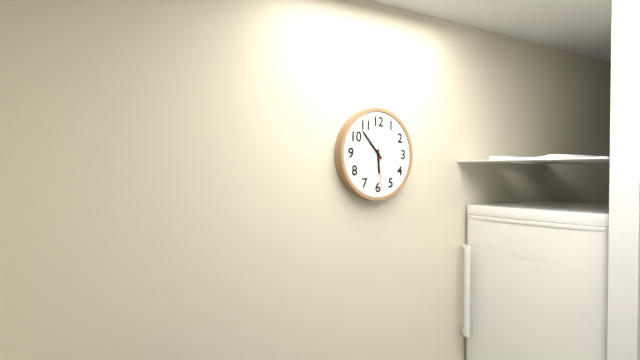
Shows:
5h53
